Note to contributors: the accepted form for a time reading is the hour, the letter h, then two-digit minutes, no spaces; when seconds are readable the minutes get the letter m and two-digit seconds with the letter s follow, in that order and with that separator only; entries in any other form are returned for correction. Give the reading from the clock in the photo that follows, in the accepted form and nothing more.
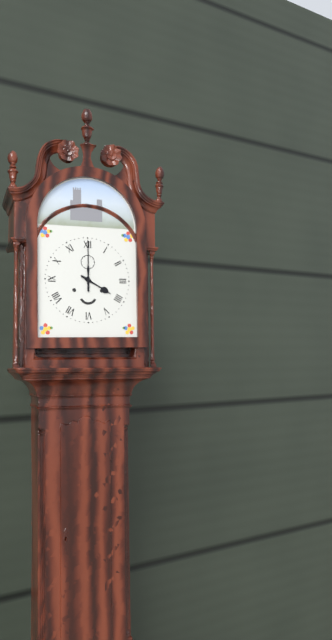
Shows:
4h00
